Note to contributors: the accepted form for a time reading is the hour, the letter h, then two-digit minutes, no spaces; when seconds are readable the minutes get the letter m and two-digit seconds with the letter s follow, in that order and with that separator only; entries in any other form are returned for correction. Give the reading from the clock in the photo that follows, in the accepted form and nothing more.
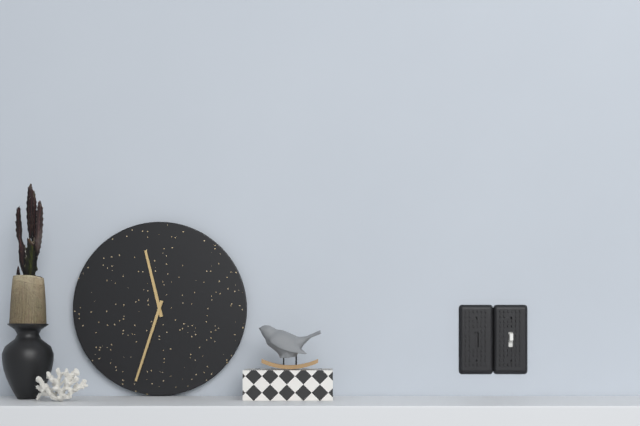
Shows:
11h33
